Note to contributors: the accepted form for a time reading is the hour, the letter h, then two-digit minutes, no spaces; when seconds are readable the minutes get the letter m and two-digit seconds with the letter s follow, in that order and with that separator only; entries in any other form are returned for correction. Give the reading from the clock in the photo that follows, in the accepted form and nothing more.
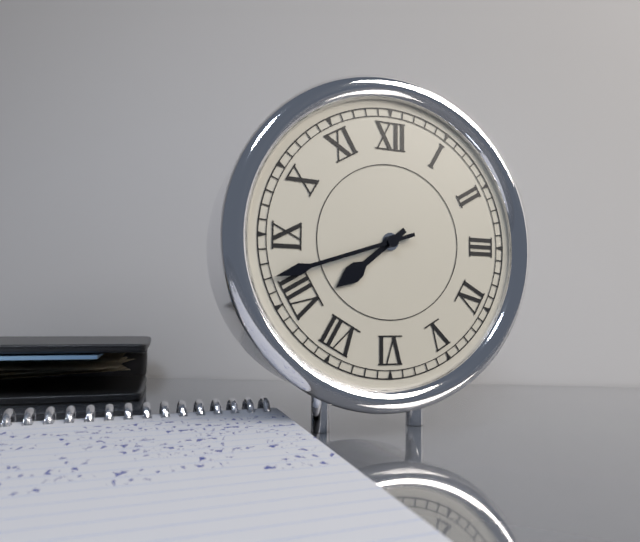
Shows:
7h42
